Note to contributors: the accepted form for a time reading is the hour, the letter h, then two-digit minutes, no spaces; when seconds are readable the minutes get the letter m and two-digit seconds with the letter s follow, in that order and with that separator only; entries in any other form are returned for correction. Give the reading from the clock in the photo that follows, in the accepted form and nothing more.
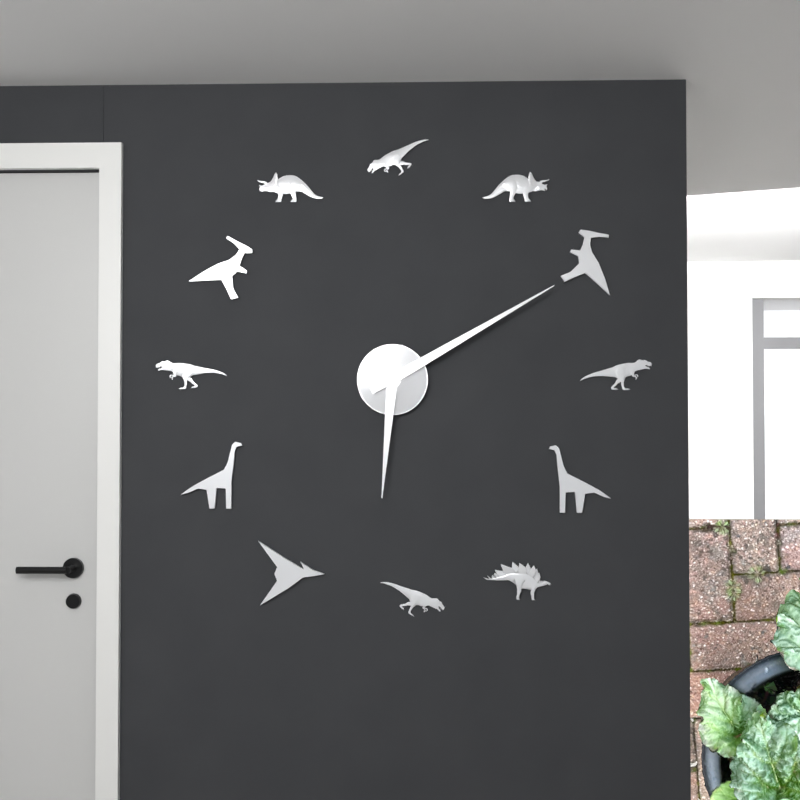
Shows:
6h10
